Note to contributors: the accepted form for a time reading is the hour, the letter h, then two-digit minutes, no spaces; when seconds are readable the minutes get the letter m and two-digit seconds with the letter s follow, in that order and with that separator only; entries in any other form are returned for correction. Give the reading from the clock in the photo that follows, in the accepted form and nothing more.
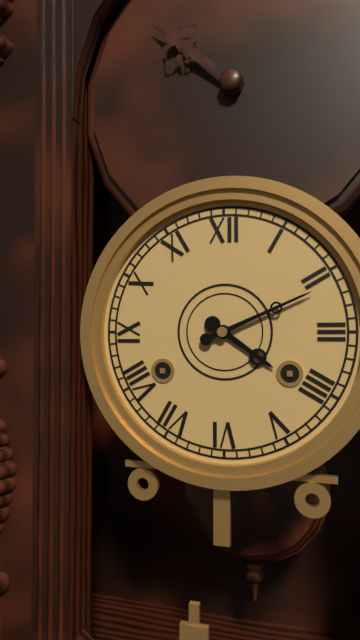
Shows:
4h11
